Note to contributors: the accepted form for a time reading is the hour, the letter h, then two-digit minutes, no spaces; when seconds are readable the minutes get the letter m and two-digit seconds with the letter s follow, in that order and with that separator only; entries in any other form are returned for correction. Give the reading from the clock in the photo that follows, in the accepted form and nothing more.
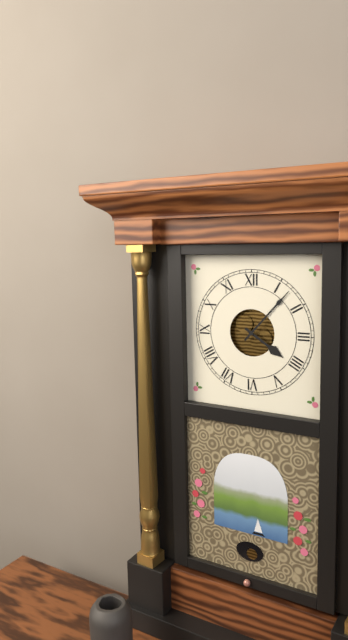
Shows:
4h07
